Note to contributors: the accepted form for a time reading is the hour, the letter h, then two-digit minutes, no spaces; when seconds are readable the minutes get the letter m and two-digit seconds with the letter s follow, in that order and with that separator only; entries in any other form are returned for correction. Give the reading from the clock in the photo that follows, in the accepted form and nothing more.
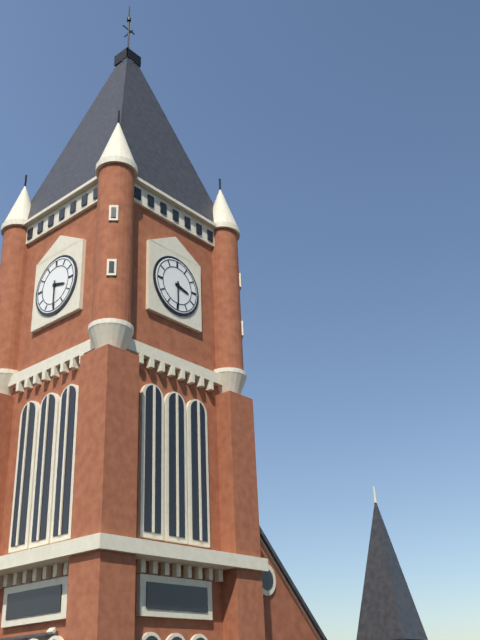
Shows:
3h30
